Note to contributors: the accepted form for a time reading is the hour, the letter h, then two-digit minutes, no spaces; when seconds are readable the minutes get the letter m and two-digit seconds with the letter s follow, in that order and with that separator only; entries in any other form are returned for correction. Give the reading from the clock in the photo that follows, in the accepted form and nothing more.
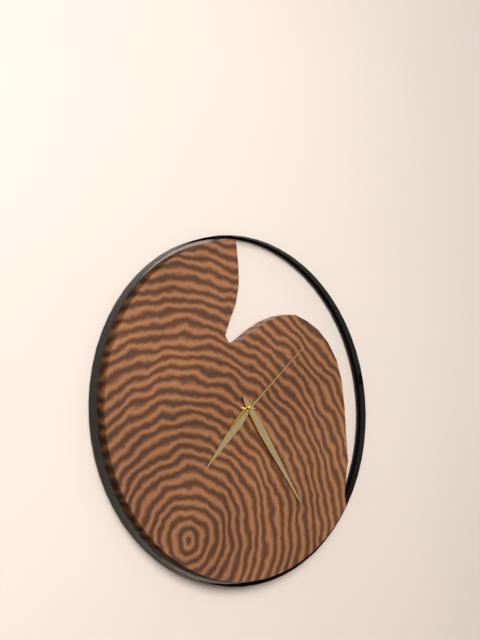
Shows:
7h24m08s
